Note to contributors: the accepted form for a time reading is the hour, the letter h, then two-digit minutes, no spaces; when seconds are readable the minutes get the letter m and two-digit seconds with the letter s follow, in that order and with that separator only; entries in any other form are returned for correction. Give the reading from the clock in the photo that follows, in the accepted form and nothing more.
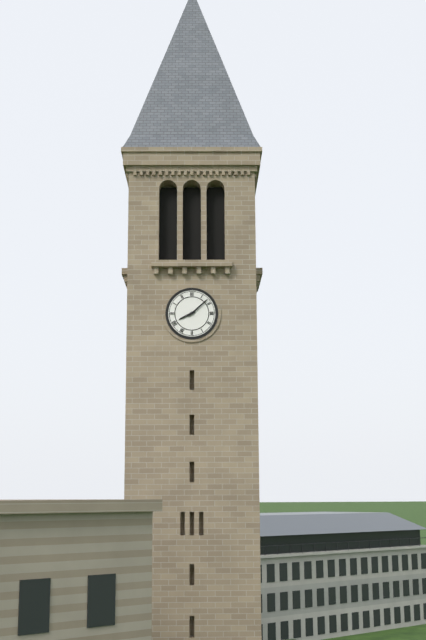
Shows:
8h08
